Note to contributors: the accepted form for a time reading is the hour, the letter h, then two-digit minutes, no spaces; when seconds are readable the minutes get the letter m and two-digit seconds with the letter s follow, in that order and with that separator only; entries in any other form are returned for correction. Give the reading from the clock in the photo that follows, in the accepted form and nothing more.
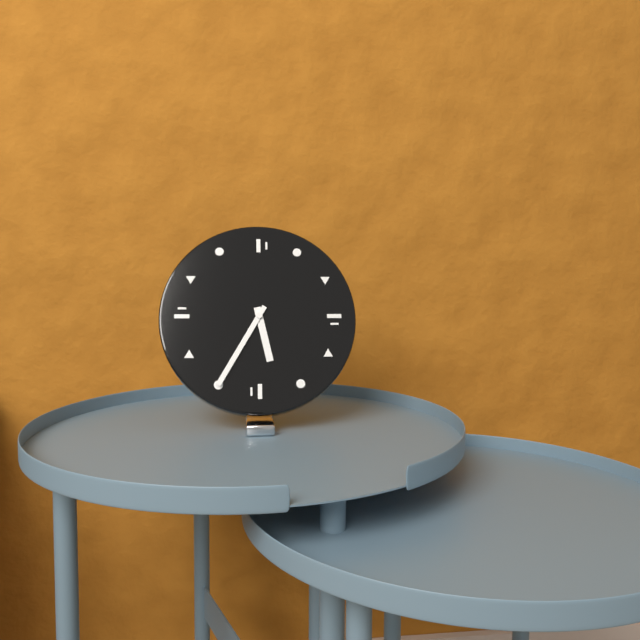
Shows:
5h35
